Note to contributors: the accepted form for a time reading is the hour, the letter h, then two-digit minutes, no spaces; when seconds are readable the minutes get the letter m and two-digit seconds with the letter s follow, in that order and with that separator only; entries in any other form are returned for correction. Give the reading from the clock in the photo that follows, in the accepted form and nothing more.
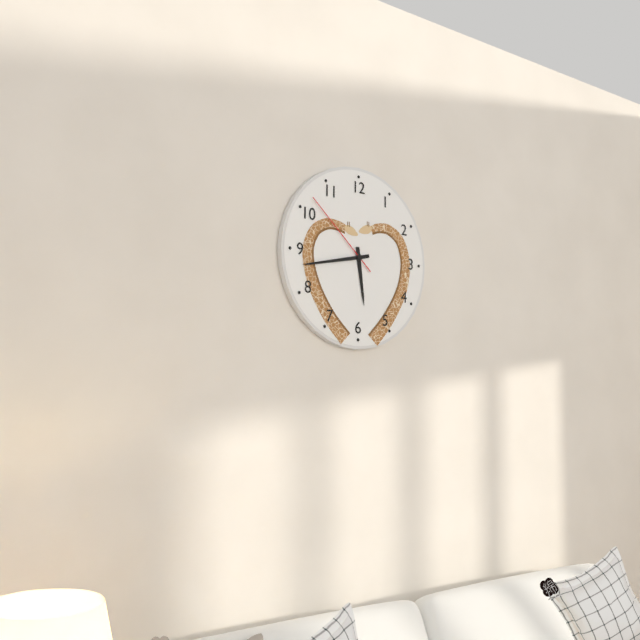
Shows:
5h43m52s
